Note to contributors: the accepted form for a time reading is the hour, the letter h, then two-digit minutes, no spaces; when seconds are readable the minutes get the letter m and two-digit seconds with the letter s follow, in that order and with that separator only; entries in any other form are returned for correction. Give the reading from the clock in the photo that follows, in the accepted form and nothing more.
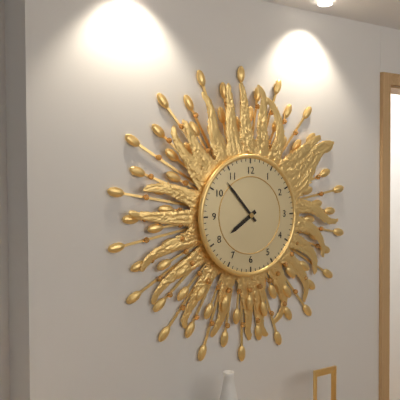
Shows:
7h53
